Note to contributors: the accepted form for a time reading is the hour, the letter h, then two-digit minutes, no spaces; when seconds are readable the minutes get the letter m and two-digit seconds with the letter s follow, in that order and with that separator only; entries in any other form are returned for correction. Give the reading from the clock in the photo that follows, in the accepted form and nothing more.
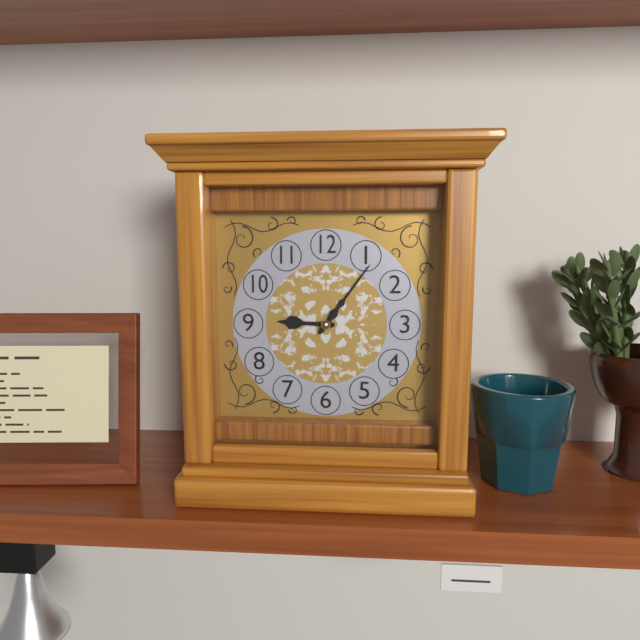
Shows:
9h06
